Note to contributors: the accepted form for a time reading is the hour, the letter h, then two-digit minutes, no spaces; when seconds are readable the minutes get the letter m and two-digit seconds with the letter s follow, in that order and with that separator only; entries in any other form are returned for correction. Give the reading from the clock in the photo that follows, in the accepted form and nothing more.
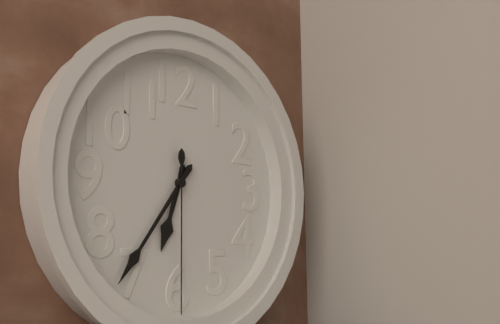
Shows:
6h36m30s
